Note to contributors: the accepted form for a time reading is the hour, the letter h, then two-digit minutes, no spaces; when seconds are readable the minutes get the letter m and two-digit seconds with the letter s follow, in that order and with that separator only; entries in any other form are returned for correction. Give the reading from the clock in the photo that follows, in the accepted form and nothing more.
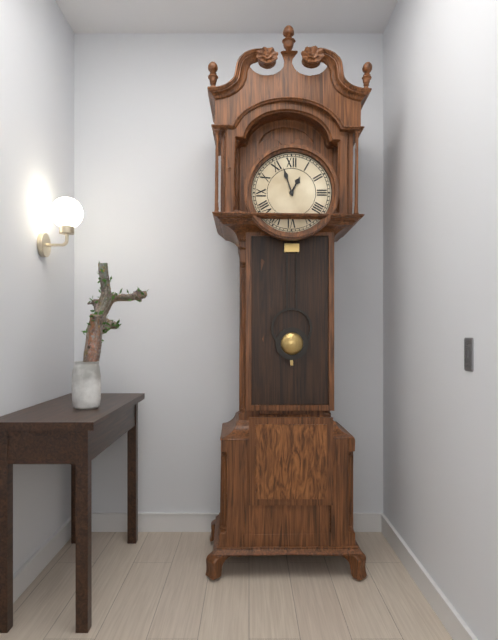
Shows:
12h57
